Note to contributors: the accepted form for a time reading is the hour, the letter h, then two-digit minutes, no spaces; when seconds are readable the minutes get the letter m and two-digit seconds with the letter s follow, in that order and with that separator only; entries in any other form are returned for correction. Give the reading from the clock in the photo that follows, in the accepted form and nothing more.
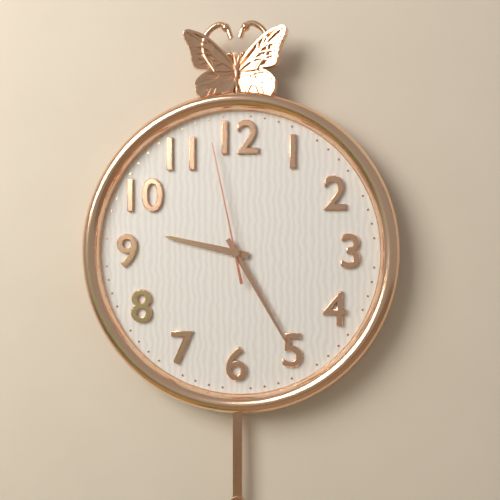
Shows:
9h25m58s
